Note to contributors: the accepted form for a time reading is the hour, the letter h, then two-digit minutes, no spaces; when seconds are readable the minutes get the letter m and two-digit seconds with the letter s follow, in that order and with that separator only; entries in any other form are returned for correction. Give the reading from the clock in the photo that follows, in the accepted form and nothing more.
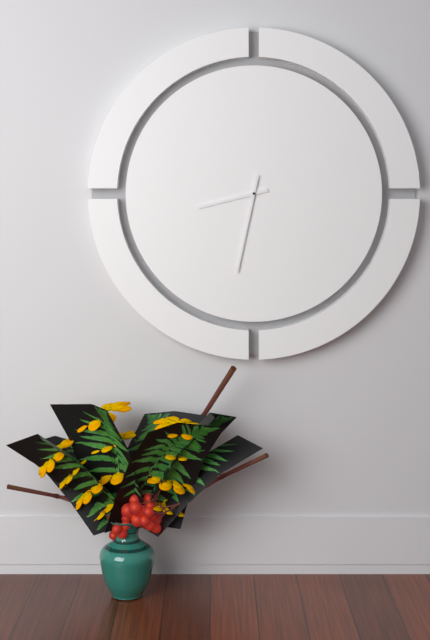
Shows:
8h32
